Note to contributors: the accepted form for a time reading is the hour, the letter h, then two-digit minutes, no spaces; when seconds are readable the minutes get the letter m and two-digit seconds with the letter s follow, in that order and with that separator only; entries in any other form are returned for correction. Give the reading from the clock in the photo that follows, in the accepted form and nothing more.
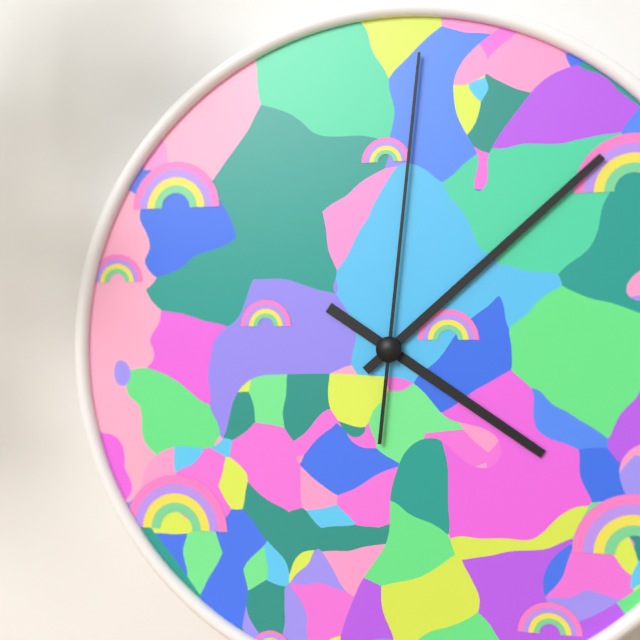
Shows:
4h08m01s
